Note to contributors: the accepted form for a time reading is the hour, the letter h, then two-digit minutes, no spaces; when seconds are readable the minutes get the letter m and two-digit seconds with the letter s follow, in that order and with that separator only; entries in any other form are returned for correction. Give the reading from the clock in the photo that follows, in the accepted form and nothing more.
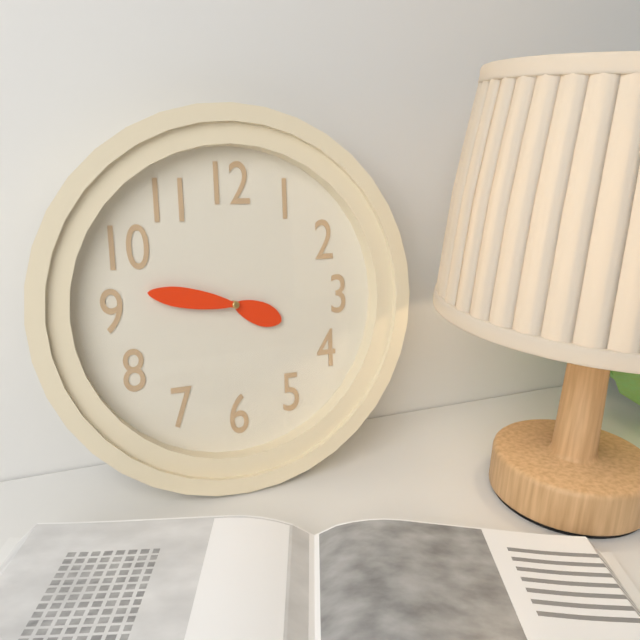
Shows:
3h47
